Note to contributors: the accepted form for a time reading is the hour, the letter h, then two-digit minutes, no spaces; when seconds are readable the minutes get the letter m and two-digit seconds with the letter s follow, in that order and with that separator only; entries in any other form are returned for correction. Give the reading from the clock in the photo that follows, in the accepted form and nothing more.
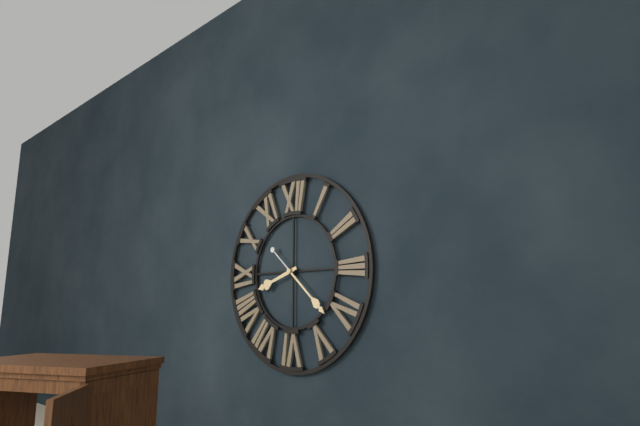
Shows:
8h22
